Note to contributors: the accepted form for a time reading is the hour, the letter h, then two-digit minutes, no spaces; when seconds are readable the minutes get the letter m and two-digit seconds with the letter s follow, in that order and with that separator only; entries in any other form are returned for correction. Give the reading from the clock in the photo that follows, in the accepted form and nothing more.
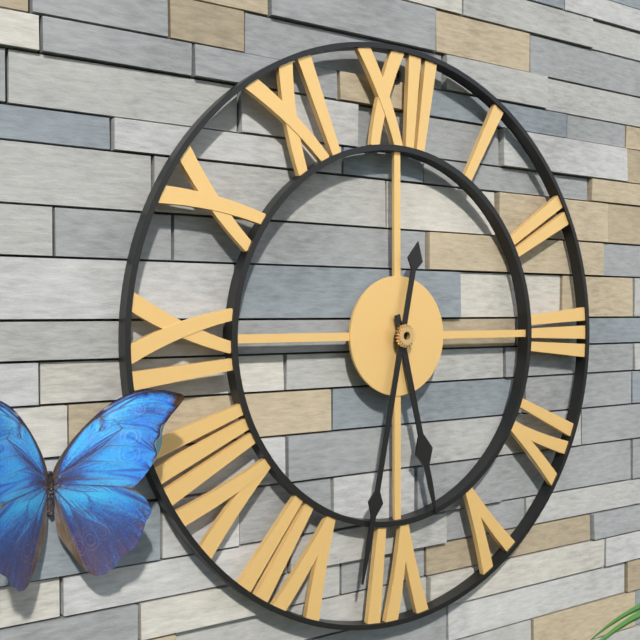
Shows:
5h32
